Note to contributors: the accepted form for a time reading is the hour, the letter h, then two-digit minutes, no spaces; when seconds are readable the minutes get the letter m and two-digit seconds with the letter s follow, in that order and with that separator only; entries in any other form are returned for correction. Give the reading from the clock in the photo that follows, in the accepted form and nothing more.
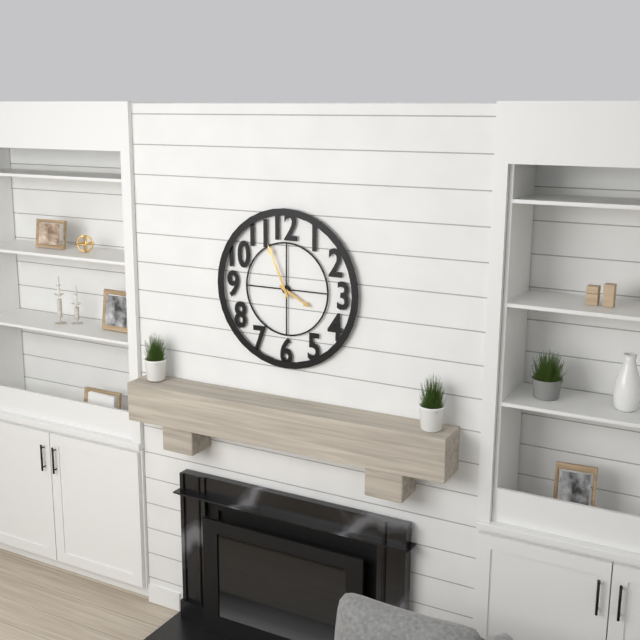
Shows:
3h56
